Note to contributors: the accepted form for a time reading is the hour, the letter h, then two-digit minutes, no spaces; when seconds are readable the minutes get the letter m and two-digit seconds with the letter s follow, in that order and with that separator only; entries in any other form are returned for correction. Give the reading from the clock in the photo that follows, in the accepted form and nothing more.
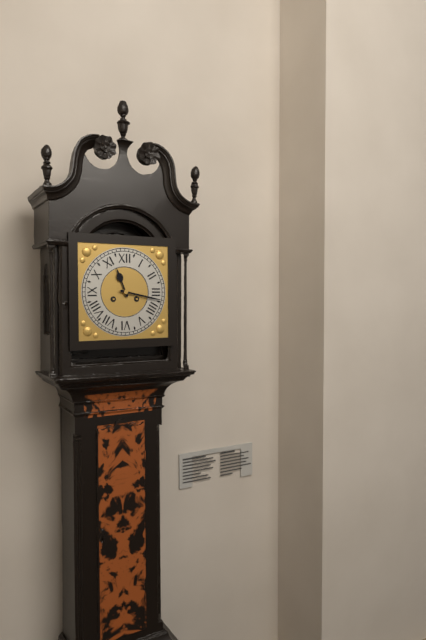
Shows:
11h17
